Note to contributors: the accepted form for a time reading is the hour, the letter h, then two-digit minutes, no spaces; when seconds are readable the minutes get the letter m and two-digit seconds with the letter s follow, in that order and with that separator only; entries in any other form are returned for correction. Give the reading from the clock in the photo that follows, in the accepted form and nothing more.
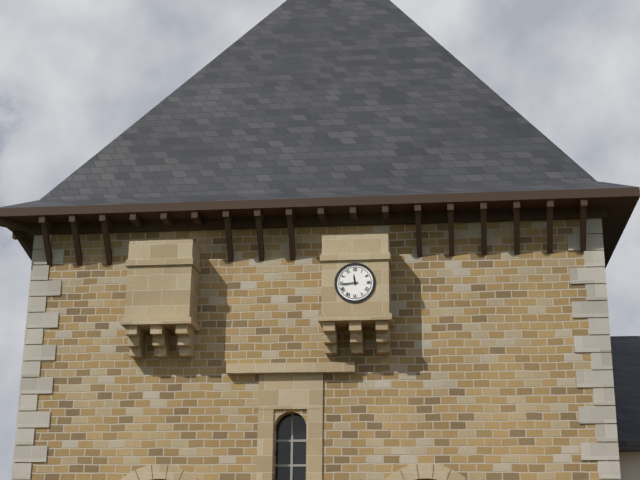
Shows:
11h44
